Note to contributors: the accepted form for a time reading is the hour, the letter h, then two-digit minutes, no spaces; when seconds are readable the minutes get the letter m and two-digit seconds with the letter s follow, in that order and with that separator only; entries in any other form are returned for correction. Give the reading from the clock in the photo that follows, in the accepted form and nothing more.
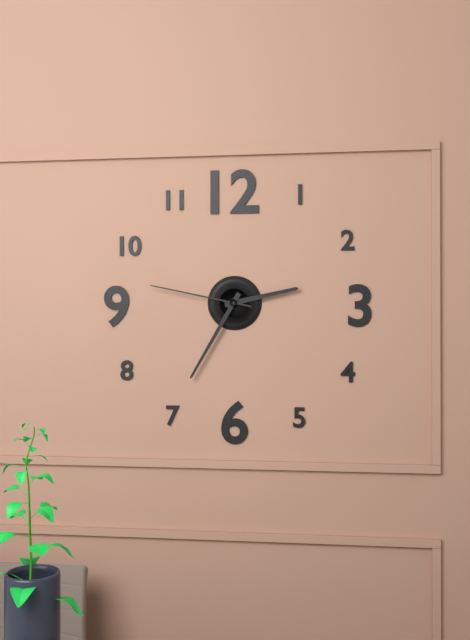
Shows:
2h35m47s
